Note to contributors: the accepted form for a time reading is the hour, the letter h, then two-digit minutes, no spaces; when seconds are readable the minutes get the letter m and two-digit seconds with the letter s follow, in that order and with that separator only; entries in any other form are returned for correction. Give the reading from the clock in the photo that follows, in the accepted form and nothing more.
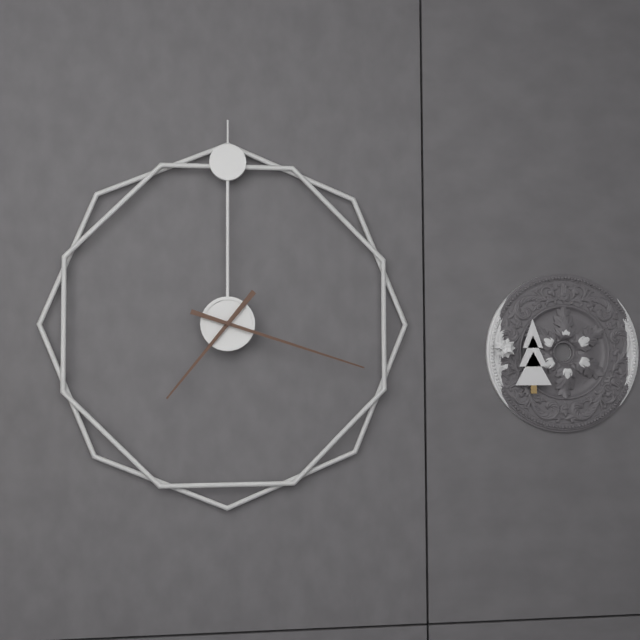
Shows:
7h18
